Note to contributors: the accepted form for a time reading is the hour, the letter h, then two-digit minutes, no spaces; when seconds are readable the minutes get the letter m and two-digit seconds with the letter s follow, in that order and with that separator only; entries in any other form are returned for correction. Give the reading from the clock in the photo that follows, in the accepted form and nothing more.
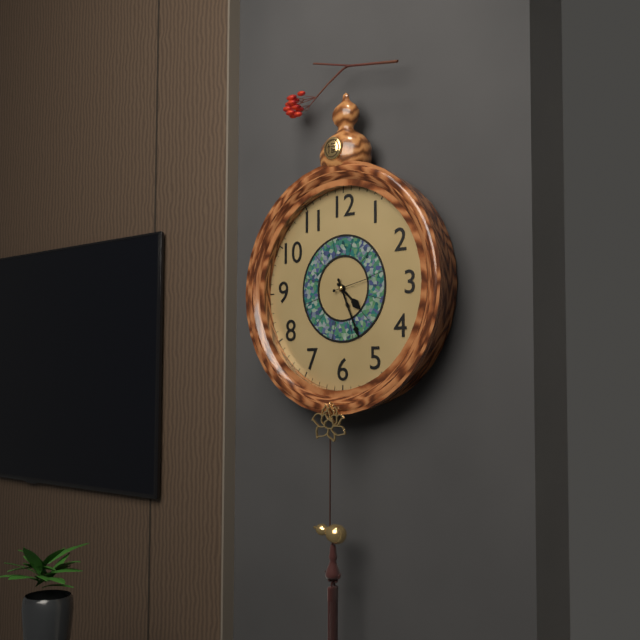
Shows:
4h26
